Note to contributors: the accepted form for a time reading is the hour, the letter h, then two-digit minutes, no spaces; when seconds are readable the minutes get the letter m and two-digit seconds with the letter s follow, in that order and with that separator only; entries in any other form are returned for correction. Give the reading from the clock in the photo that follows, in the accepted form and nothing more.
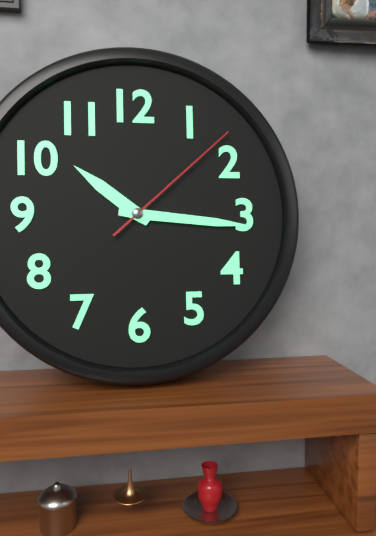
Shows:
10h16m08s
